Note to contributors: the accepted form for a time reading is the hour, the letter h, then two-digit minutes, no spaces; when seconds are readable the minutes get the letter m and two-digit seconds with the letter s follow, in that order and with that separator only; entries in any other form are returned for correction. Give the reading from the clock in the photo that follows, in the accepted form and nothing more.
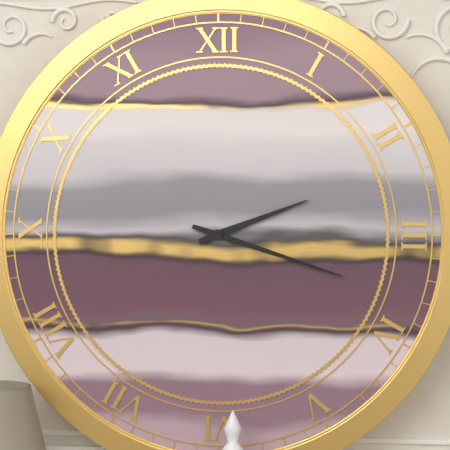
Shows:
2h18
